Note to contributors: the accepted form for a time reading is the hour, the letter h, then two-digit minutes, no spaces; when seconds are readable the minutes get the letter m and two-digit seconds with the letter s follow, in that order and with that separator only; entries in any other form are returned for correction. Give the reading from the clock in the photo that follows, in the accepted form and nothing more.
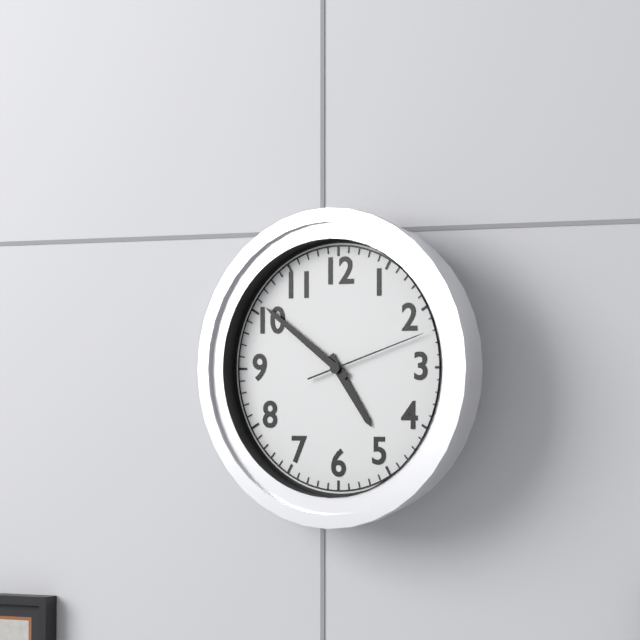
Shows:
4h51m12s
